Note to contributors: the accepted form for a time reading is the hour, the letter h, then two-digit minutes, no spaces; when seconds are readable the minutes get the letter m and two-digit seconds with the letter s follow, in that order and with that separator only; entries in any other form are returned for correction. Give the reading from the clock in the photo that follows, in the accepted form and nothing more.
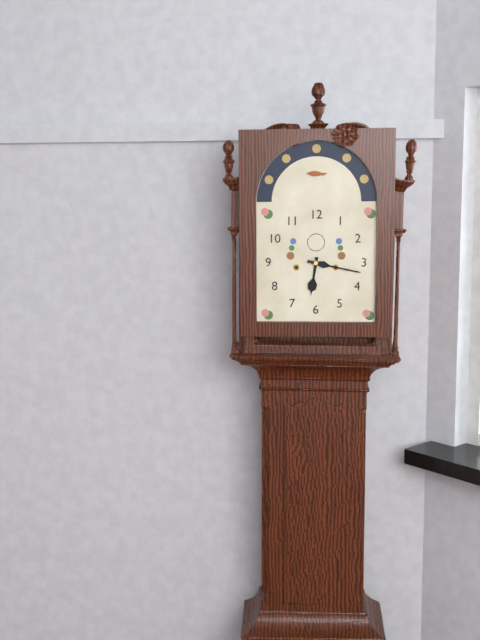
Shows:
6h17
